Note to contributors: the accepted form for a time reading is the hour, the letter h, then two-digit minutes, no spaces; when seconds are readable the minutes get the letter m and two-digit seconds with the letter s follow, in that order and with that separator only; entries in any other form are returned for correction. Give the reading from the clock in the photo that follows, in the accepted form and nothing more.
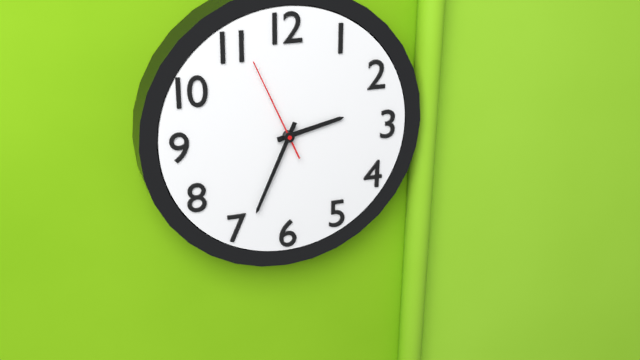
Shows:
2h34m56s
